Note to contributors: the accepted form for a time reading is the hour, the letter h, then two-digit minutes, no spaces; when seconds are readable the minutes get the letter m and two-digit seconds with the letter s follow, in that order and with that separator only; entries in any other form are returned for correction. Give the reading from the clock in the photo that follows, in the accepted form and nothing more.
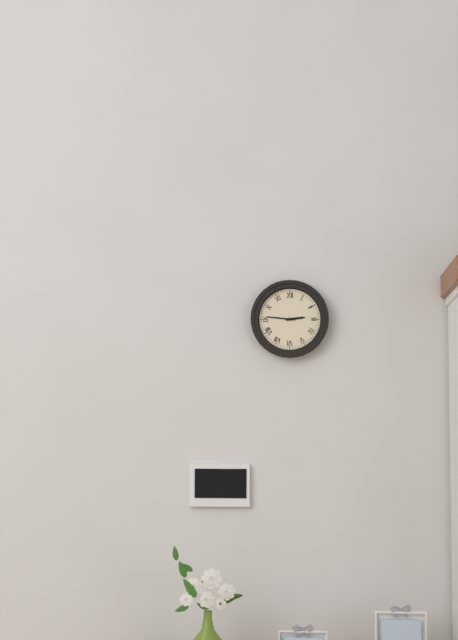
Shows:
2h46
